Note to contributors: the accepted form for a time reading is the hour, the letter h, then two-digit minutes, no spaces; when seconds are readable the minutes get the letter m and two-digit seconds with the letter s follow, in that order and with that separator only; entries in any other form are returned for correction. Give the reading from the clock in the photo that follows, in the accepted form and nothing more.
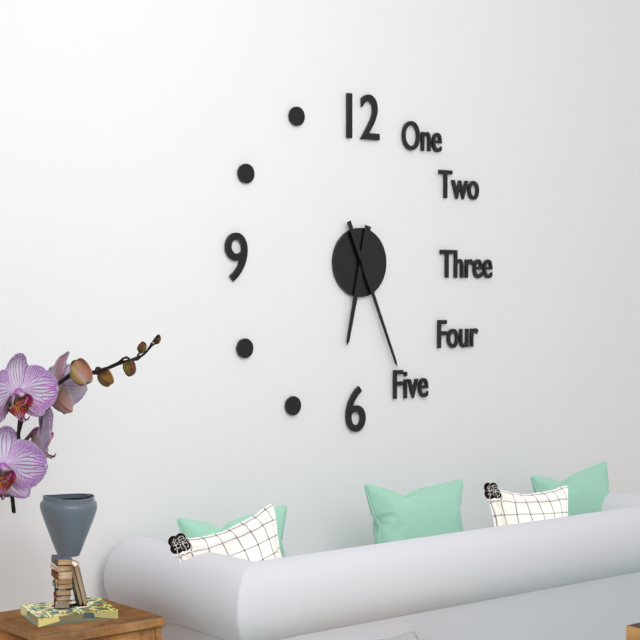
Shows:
6h26
